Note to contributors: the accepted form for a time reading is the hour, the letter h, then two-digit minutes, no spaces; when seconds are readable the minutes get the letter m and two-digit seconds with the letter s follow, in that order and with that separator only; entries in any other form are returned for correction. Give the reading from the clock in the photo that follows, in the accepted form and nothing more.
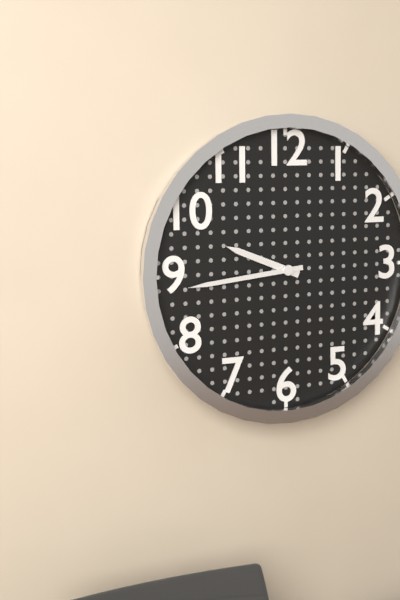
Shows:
9h44
